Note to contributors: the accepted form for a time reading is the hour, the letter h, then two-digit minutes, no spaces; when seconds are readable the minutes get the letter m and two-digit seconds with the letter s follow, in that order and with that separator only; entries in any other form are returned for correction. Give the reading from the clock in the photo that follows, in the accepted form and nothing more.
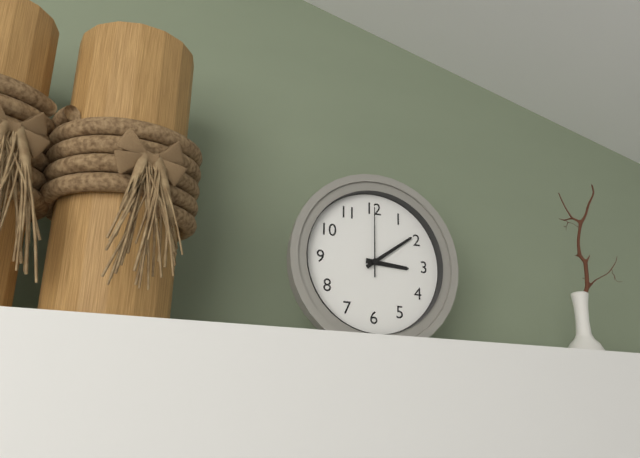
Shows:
3h09m00s
